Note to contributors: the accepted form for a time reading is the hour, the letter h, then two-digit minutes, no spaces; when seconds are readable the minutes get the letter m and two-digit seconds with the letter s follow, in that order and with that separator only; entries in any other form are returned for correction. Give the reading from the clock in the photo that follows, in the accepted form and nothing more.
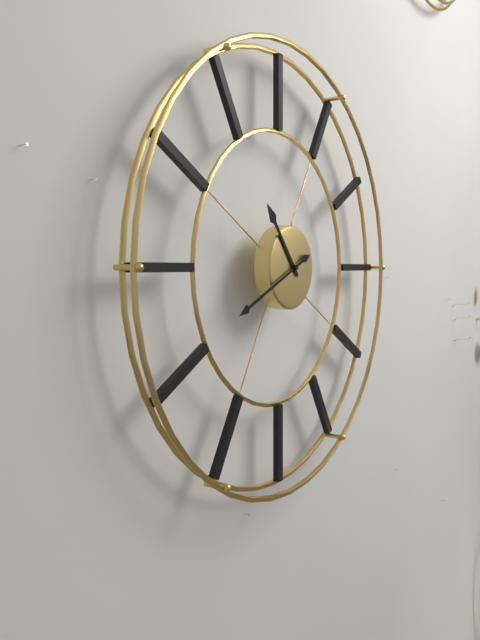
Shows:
10h41
